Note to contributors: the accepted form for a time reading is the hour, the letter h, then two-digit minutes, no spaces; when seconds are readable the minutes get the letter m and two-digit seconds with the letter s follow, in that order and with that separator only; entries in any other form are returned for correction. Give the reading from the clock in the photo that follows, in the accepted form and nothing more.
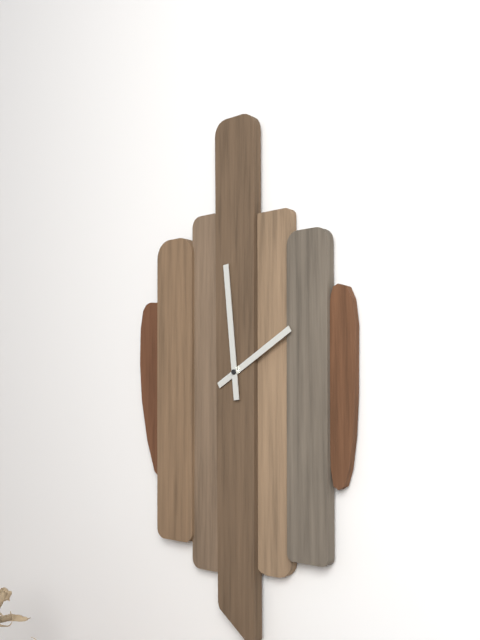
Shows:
1h59
